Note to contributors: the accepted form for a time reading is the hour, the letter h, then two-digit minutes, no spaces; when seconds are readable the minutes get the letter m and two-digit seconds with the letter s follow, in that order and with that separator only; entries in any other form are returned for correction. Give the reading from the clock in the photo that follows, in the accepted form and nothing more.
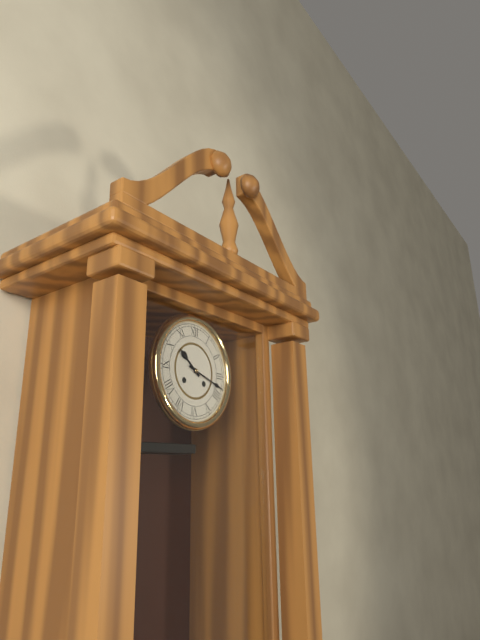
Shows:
10h18
